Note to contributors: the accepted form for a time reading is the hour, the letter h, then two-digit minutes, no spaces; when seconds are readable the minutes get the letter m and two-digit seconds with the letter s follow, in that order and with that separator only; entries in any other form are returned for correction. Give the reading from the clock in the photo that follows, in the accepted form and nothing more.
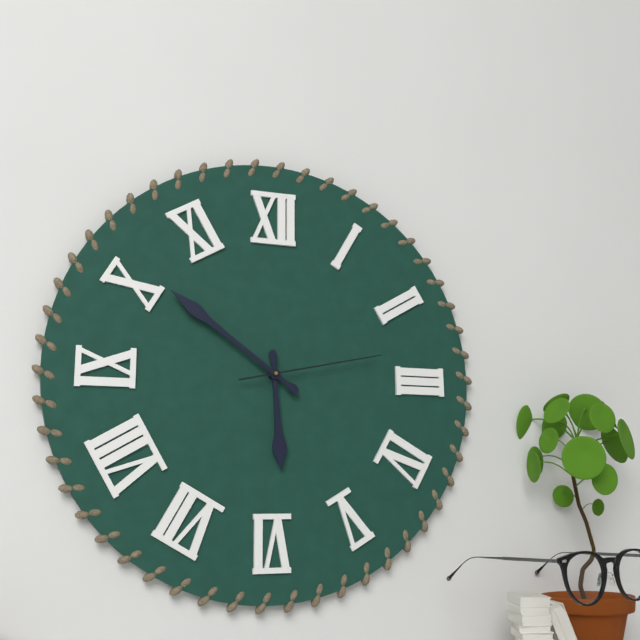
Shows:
5h51m13s
